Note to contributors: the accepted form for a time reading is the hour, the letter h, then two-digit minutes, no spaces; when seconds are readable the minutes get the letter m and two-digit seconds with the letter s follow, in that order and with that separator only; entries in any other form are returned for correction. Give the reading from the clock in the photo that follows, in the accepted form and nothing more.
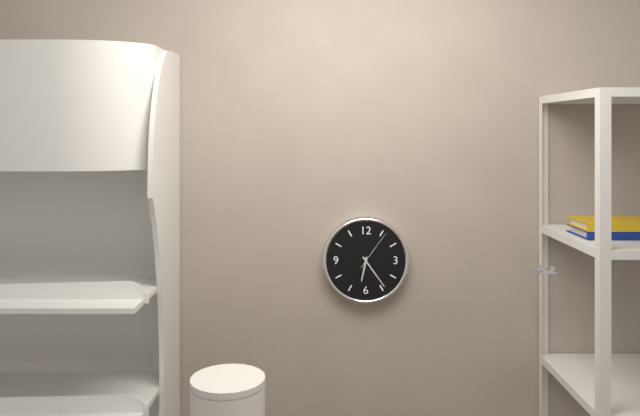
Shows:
6h24
